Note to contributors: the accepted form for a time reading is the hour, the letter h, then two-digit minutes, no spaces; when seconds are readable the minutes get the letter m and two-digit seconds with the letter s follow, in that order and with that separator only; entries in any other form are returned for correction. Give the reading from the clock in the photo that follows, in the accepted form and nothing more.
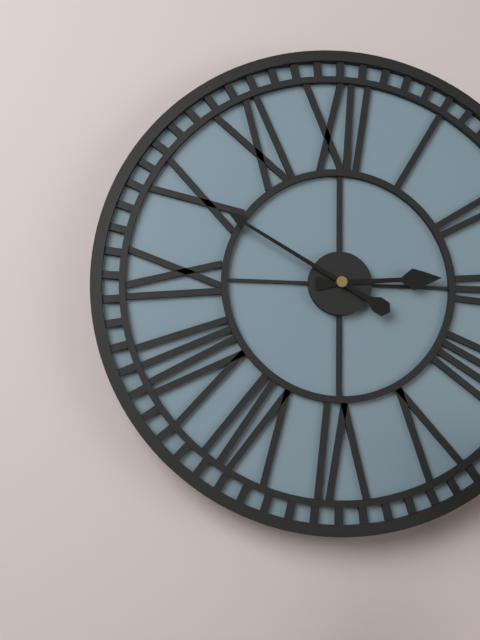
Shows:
2h50
